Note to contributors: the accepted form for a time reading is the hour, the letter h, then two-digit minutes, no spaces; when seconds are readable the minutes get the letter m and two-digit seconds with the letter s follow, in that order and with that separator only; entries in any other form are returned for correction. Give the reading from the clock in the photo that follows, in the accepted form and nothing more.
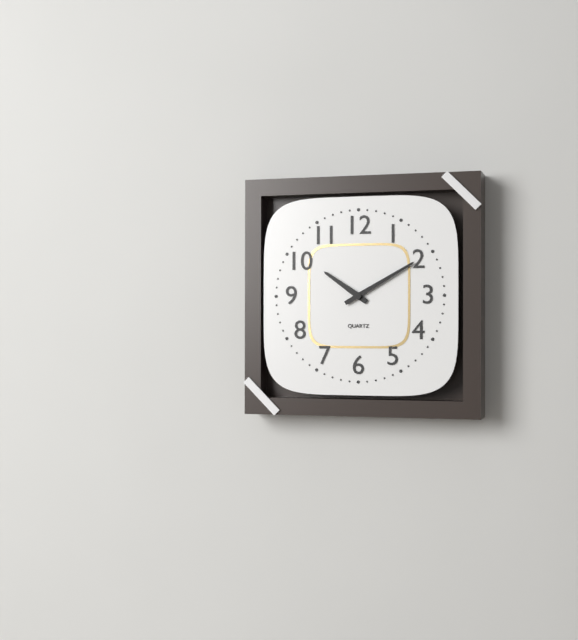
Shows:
10h10
